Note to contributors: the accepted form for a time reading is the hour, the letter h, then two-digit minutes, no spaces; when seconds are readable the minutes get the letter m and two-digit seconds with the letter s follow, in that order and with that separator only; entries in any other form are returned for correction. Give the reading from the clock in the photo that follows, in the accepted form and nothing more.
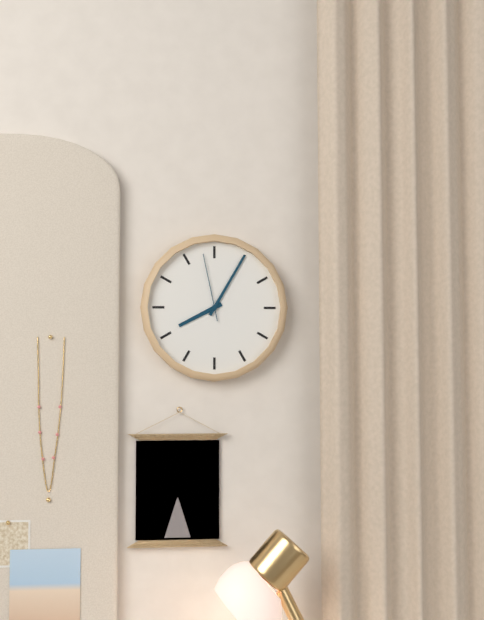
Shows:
8h05m58s
